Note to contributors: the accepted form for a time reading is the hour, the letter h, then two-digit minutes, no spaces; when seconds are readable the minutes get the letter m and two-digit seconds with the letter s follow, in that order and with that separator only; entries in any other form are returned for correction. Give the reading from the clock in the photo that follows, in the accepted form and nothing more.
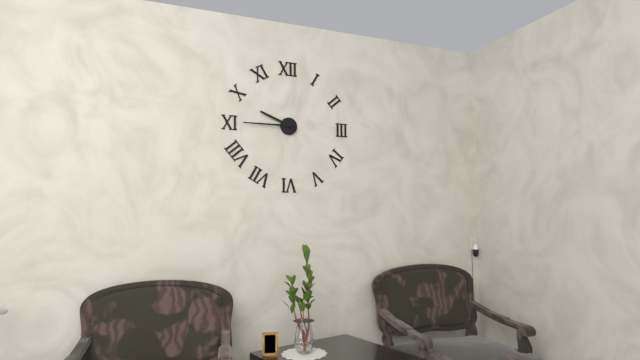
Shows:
9h45
